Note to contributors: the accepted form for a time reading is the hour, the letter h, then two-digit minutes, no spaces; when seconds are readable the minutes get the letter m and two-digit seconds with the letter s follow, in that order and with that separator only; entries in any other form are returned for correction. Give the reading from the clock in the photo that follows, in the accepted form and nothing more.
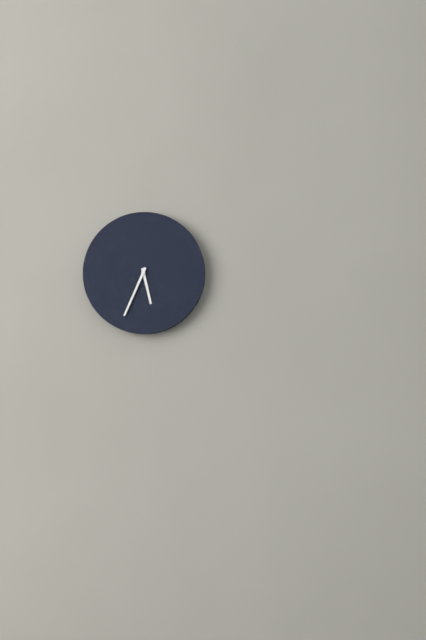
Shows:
5h34
